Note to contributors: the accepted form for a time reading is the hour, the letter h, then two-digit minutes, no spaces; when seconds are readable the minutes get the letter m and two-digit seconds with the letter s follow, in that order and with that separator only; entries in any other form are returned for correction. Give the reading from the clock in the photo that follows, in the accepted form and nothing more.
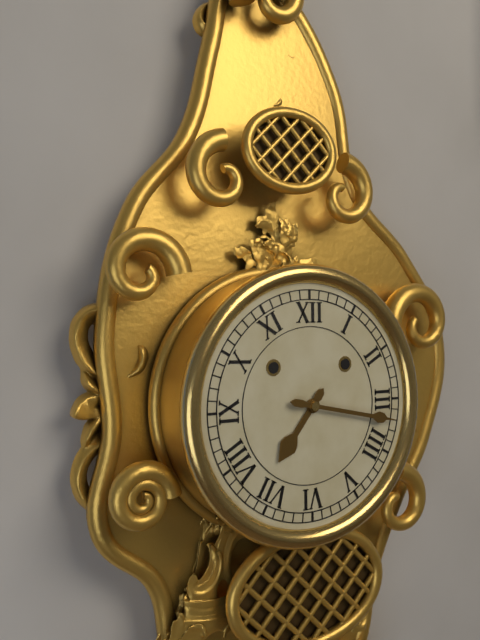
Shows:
7h17
